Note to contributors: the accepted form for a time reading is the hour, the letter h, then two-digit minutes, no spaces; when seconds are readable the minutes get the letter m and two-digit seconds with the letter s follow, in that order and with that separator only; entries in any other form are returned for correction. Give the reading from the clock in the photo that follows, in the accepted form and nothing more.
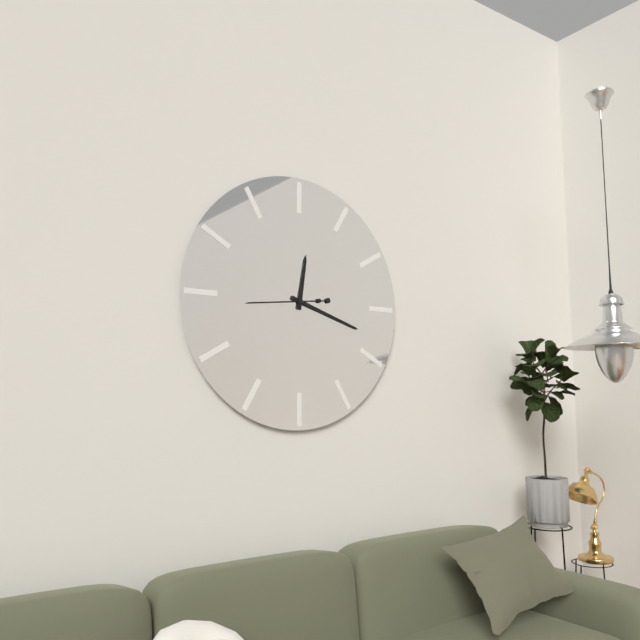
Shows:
12h18m44s
